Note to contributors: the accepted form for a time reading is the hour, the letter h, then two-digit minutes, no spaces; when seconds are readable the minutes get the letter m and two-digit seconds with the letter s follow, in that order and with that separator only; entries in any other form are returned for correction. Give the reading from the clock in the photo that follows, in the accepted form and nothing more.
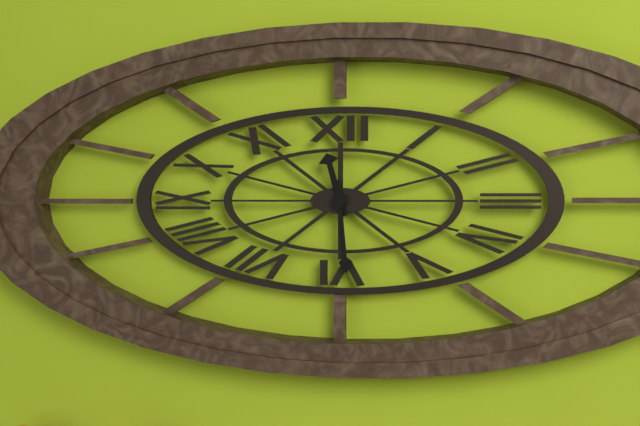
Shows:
11h29
